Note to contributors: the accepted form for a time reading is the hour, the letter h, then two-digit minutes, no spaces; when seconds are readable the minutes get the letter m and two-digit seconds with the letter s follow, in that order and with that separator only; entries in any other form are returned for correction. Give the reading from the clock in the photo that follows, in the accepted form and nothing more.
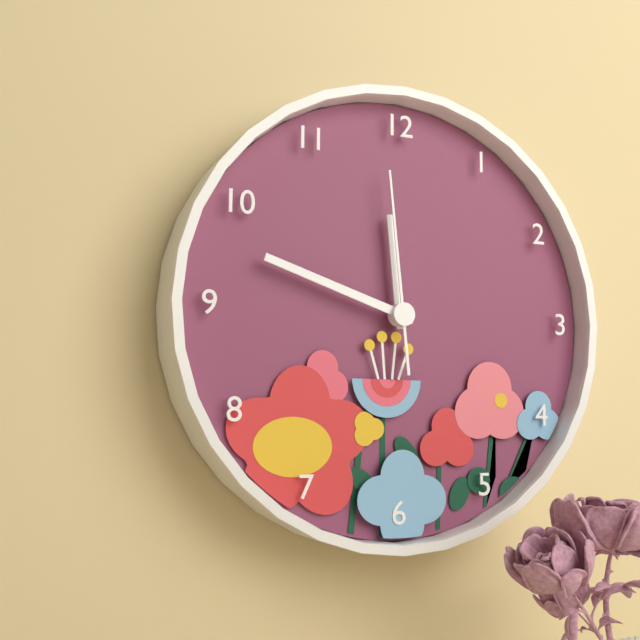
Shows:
11h48m59s
